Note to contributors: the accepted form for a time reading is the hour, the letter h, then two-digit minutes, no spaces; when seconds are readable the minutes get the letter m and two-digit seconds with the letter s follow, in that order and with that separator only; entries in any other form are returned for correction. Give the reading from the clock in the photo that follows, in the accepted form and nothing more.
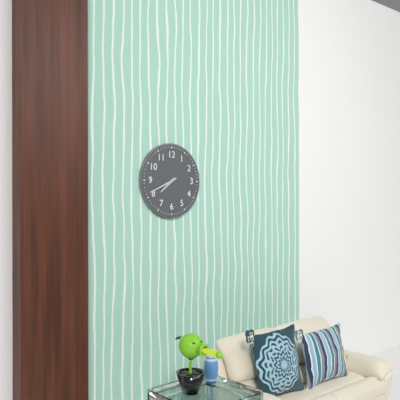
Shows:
7h41
